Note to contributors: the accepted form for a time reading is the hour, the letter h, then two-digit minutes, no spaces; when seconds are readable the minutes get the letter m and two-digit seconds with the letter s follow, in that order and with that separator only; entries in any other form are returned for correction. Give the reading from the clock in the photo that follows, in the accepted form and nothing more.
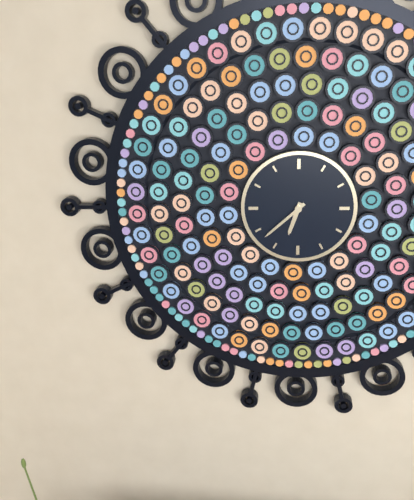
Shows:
6h38
